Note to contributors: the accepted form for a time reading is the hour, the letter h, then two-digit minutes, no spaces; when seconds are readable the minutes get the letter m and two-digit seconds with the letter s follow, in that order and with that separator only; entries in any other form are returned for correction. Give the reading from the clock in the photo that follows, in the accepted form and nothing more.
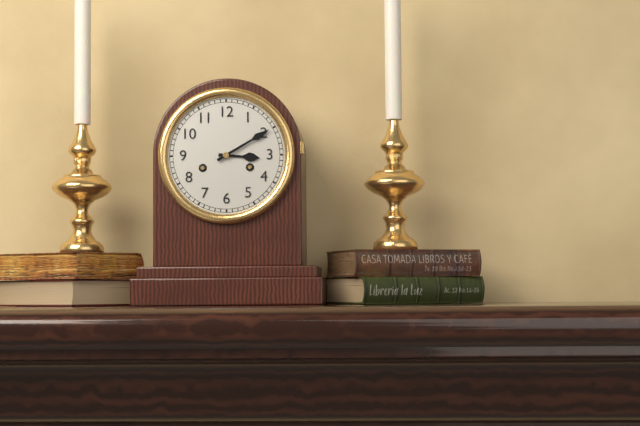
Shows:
3h10
